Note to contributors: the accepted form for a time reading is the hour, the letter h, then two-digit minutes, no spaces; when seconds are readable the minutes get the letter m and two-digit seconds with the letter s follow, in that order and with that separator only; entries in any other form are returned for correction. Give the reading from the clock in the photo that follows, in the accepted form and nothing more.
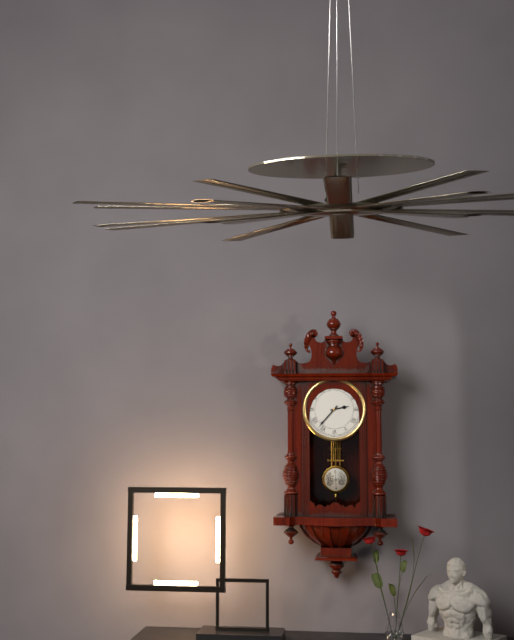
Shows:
2h37
